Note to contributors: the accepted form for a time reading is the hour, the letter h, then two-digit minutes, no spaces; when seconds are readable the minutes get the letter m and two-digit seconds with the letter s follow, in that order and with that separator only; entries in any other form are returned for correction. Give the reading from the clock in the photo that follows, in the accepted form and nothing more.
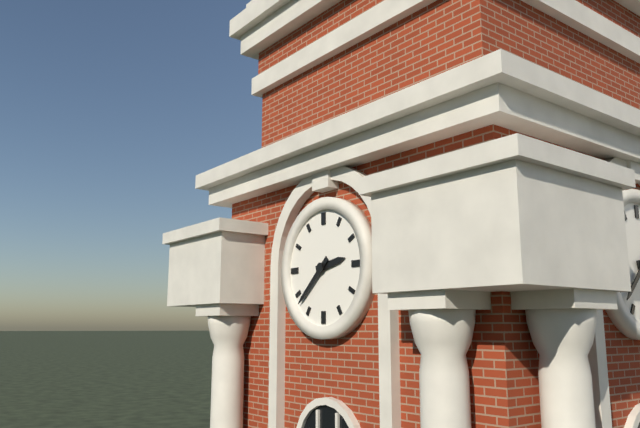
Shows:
2h38
